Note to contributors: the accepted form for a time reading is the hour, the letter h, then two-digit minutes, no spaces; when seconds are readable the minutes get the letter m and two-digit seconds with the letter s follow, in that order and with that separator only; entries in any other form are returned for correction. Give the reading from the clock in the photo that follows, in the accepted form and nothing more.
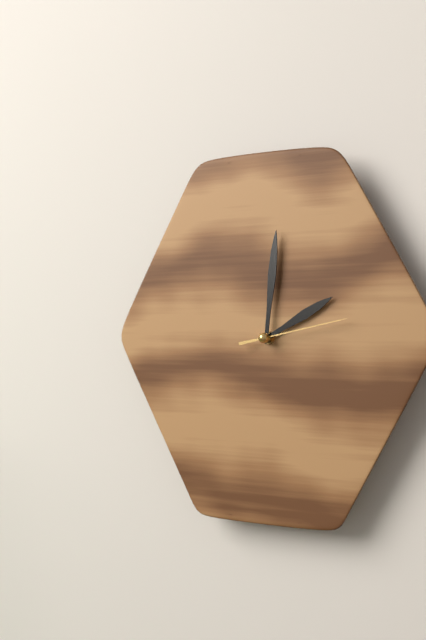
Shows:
2h01m13s
